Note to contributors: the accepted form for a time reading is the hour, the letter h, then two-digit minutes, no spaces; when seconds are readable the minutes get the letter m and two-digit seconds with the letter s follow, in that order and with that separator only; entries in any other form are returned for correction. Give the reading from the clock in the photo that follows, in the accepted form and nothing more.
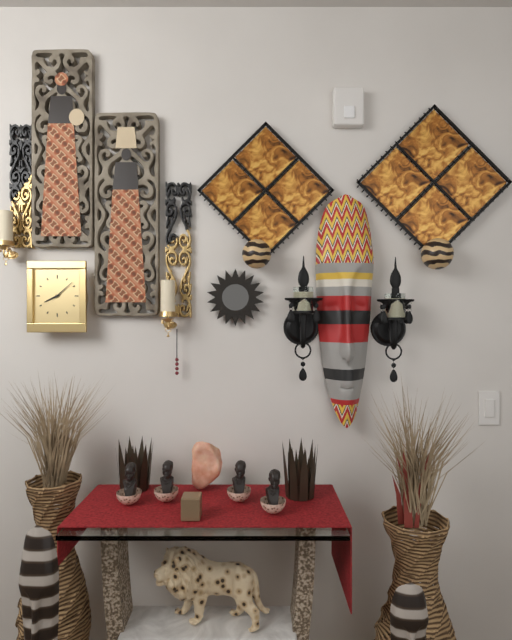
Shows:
8h08
